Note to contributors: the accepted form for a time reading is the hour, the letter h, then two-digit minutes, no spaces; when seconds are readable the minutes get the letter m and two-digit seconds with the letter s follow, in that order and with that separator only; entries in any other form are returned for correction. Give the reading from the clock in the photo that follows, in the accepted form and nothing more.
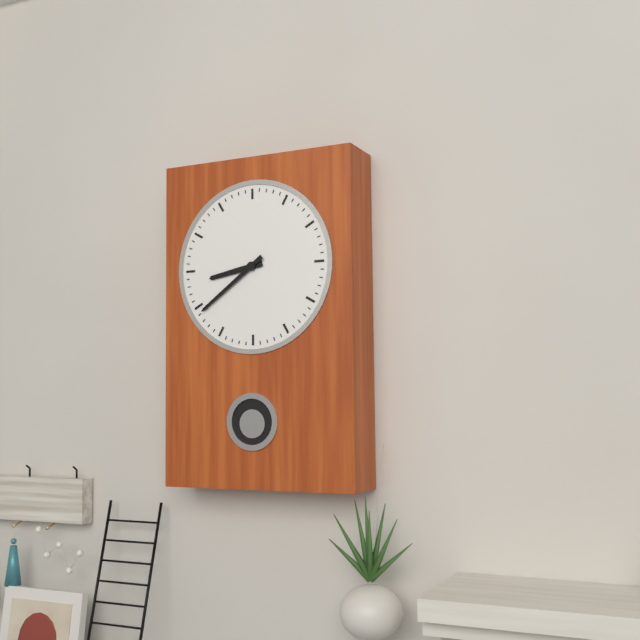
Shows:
8h39
